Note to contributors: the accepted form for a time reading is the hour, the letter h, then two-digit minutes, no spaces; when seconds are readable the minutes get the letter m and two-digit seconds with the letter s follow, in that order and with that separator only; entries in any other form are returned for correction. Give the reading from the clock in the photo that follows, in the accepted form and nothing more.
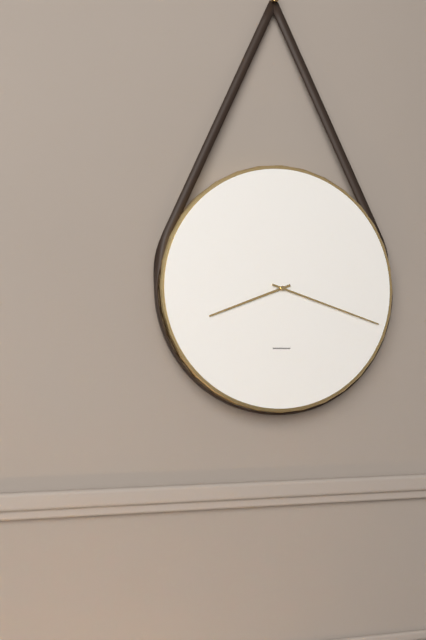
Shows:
8h18
